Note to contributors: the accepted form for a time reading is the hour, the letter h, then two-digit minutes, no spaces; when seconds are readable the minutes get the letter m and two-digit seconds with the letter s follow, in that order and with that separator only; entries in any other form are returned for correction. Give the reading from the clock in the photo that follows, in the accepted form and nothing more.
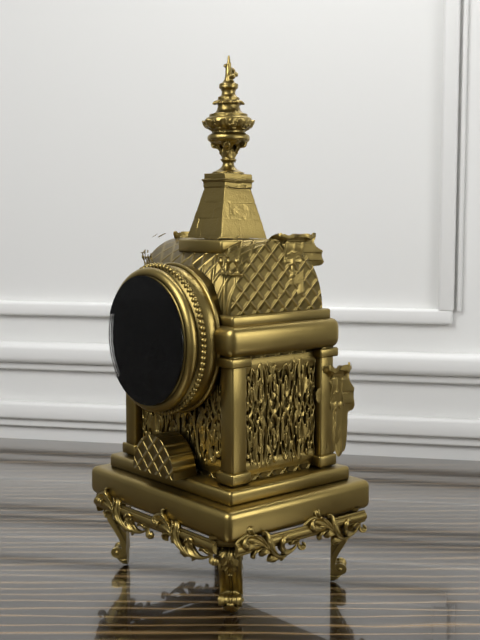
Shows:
7h58
